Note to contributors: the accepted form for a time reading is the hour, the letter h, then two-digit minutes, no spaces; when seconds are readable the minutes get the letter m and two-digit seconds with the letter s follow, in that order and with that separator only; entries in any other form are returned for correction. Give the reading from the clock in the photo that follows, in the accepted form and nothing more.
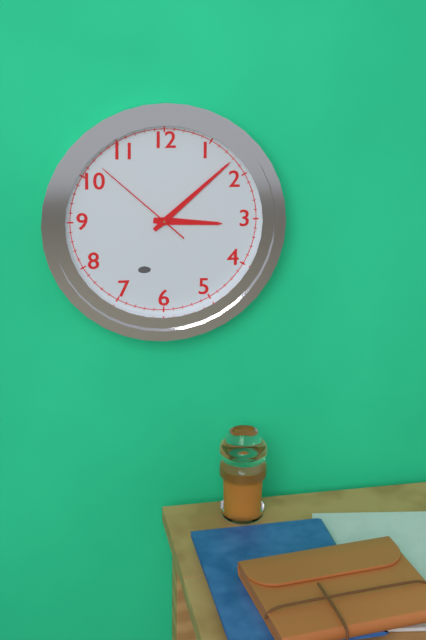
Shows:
3h08m52s
